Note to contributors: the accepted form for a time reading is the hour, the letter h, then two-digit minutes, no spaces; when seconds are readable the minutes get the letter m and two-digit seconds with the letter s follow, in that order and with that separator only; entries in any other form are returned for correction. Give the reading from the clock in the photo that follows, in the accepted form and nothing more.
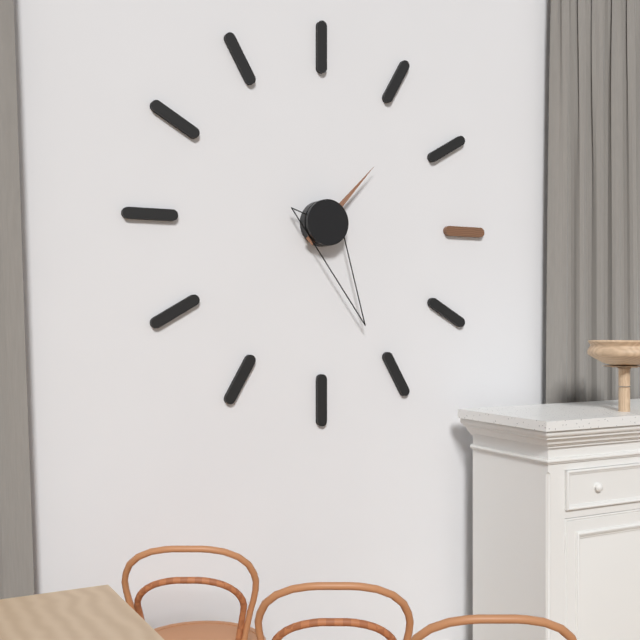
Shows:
1h26
